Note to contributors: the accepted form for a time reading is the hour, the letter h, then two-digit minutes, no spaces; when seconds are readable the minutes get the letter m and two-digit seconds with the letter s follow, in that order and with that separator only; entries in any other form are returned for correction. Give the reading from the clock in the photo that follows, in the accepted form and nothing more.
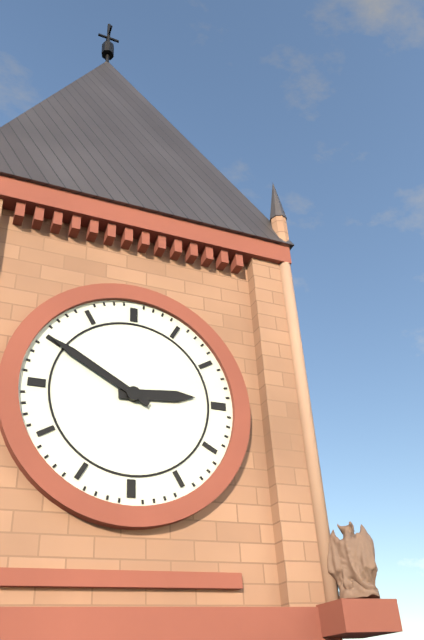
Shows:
2h50
